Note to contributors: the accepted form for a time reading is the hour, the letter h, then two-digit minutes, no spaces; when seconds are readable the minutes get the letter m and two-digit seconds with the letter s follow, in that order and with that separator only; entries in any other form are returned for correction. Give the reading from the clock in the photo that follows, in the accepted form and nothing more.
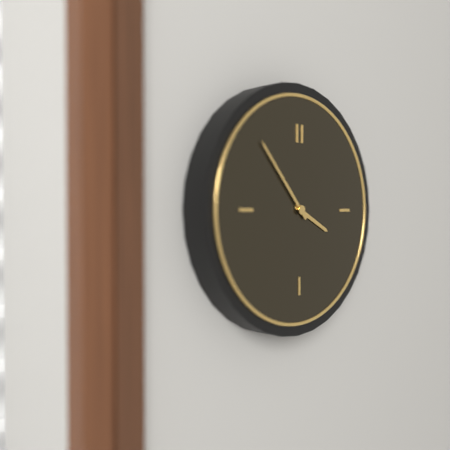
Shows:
3h53
